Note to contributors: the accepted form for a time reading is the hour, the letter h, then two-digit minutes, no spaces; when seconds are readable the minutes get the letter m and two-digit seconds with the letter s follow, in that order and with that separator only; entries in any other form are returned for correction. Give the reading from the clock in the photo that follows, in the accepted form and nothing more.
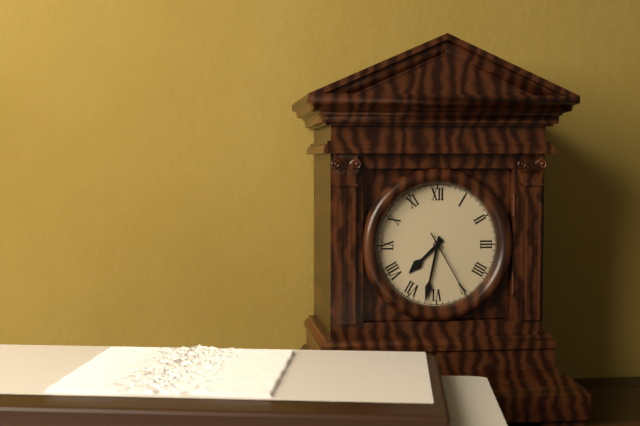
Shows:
7h32m25s
